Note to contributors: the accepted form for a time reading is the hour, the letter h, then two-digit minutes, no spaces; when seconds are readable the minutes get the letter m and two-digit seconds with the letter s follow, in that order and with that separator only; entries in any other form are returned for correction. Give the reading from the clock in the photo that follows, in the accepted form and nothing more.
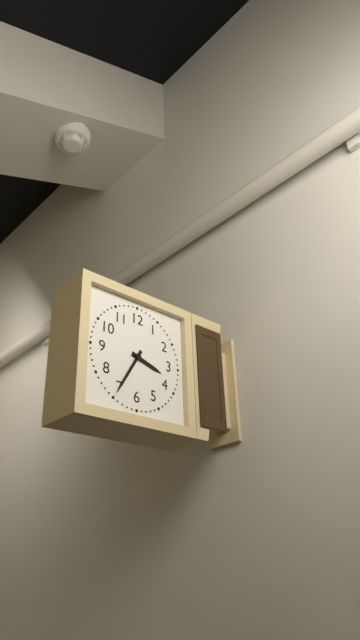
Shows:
3h35
